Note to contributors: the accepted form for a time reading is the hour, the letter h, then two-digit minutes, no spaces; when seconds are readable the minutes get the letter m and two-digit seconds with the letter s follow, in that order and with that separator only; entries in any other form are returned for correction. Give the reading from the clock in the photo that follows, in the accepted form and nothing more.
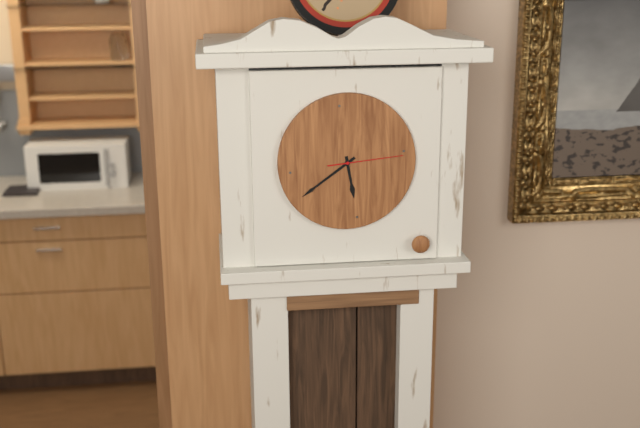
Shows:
5h39m14s
